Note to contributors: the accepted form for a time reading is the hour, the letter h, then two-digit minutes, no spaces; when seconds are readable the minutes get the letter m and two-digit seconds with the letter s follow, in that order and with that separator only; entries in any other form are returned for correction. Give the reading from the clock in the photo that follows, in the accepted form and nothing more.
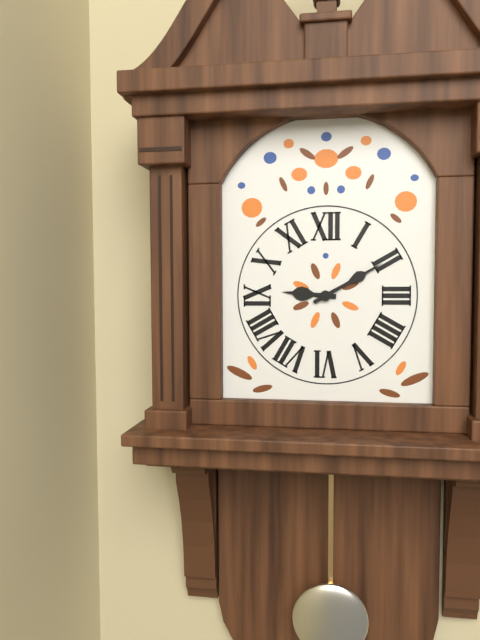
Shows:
9h10
